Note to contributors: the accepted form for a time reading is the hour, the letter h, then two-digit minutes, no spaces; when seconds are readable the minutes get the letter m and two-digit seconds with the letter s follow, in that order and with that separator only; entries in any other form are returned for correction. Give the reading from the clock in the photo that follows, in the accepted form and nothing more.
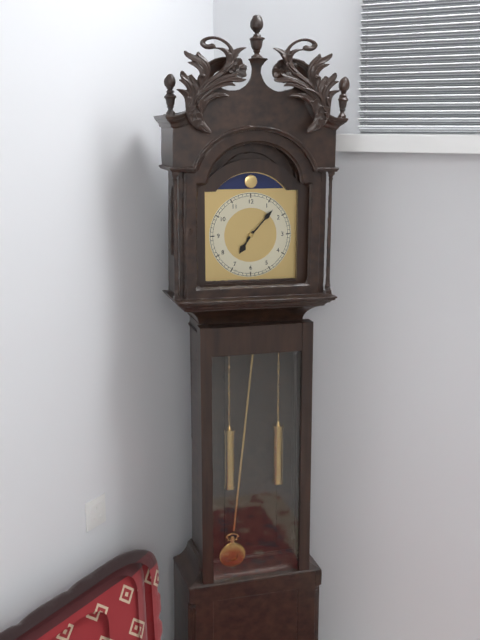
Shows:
7h07
